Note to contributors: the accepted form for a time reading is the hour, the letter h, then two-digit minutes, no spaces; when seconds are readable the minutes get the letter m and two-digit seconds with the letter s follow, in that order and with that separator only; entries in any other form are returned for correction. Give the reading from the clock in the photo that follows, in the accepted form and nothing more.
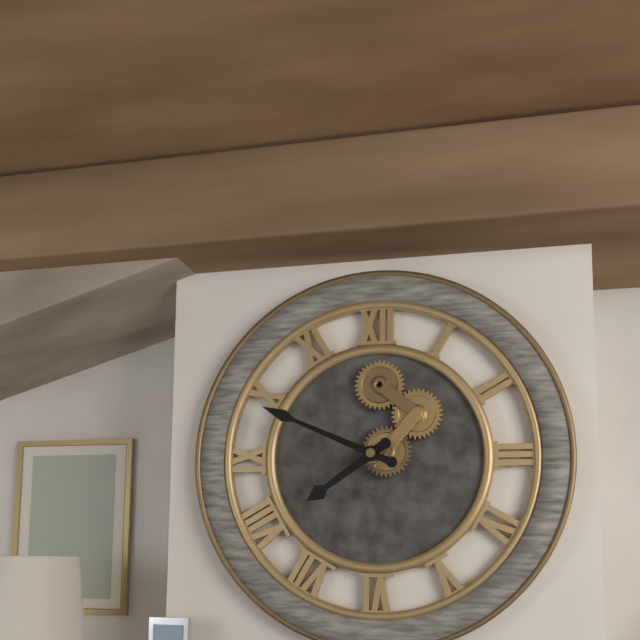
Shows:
7h49
